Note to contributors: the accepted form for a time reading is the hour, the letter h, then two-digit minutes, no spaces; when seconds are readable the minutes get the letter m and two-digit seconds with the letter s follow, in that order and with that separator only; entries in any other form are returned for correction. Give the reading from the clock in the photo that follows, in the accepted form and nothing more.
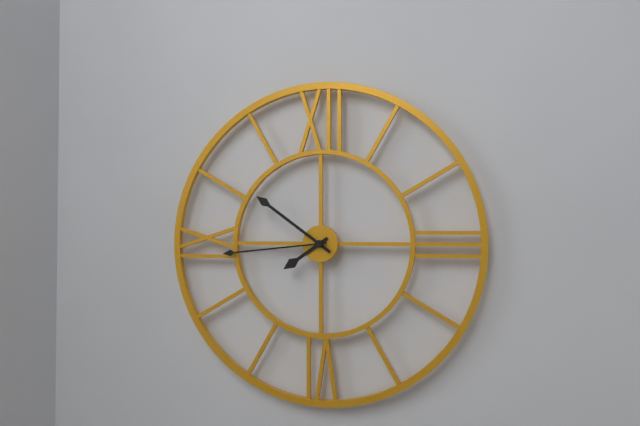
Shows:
7h51m44s
